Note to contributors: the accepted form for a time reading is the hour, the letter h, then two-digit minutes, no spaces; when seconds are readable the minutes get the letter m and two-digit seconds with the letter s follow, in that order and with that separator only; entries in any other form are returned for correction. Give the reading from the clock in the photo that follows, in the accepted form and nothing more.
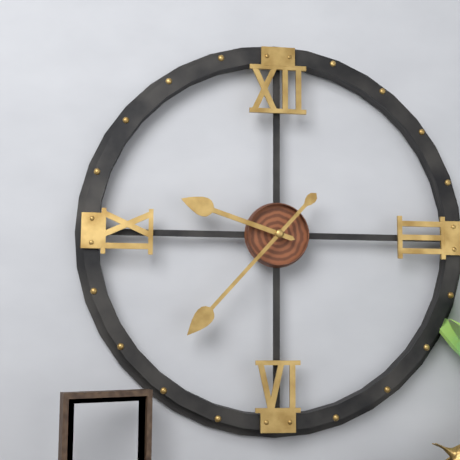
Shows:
9h37
